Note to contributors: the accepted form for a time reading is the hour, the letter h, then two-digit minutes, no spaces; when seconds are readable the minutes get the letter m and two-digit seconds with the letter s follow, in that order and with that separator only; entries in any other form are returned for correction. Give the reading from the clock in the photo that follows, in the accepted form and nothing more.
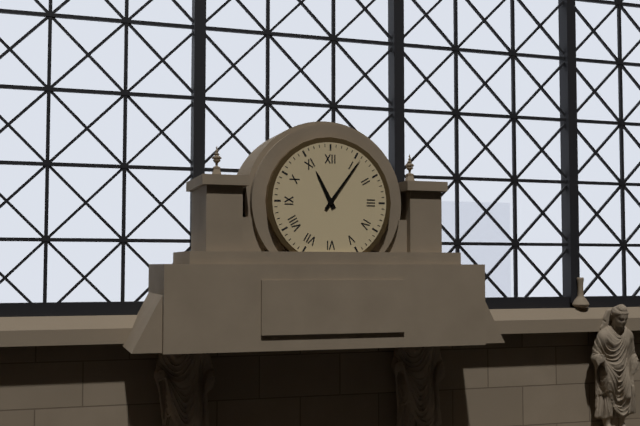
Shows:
11h06
